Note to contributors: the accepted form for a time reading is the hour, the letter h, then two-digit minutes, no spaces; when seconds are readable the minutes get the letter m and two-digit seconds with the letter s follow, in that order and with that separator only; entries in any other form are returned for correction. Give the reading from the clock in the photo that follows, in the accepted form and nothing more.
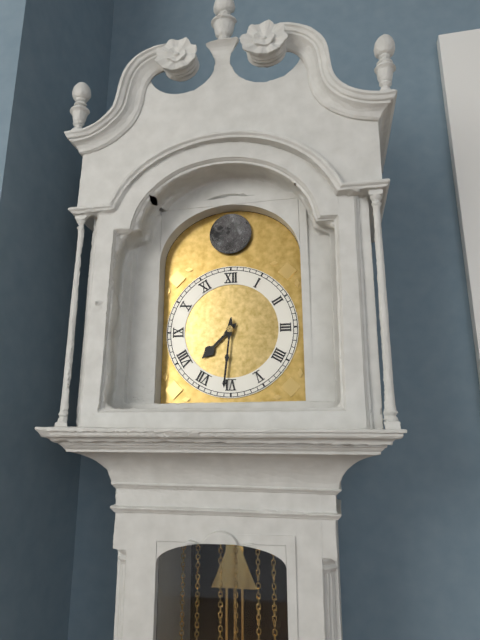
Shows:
7h31
